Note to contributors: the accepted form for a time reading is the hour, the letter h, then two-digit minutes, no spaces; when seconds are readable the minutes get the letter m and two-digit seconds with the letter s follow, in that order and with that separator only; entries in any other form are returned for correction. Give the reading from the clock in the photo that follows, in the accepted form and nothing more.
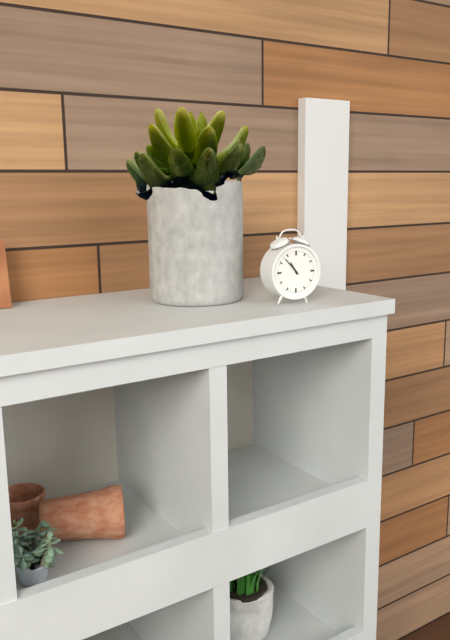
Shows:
10h53
